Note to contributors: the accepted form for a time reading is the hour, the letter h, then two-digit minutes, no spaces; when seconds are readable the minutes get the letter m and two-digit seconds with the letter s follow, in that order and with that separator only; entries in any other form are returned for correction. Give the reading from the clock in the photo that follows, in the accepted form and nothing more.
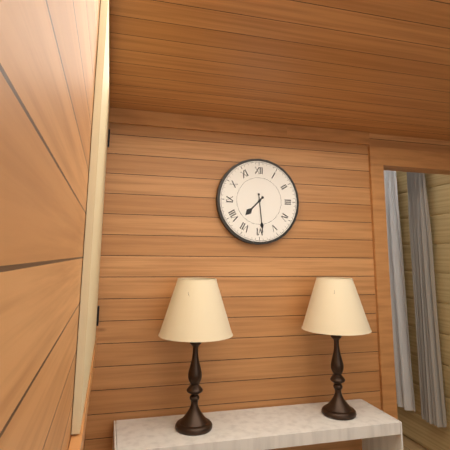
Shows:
7h29
